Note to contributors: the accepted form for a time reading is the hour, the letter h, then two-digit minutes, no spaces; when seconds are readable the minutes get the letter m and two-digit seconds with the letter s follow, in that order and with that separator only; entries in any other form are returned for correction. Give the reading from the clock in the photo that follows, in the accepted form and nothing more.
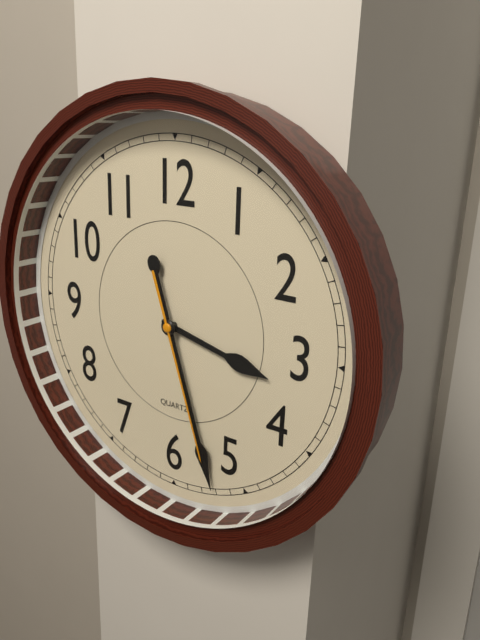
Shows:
3h27m27s
